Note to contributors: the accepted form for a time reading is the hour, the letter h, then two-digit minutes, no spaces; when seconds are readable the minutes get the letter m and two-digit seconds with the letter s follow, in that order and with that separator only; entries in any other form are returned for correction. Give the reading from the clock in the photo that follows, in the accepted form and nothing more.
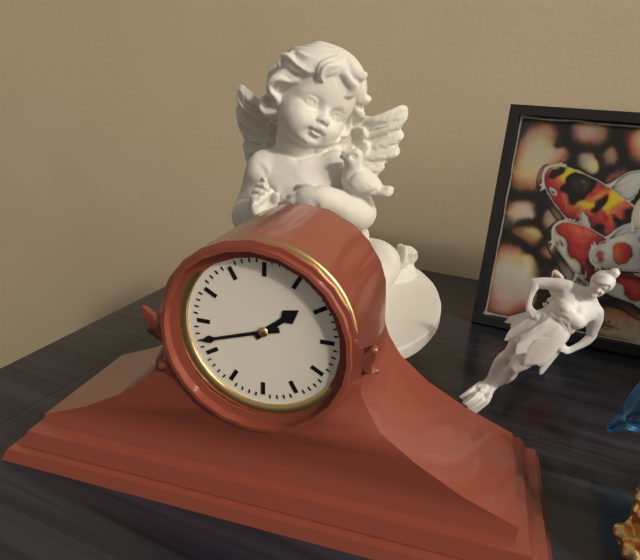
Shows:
1h42
